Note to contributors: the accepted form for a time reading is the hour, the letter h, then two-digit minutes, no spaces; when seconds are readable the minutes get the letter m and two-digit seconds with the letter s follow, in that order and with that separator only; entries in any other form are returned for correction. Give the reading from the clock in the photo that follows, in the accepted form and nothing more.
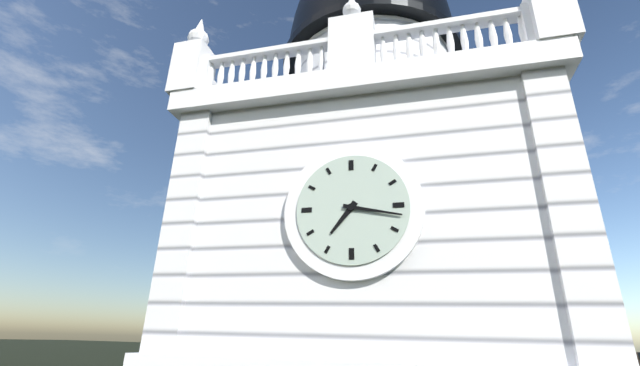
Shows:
7h17
